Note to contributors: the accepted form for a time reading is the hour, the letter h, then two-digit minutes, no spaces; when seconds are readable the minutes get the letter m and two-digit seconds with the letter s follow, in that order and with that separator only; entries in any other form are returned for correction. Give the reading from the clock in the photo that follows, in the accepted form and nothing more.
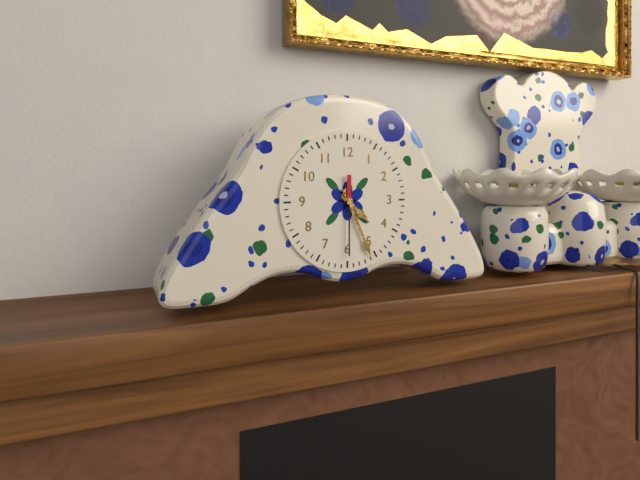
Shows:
4h26m30s
